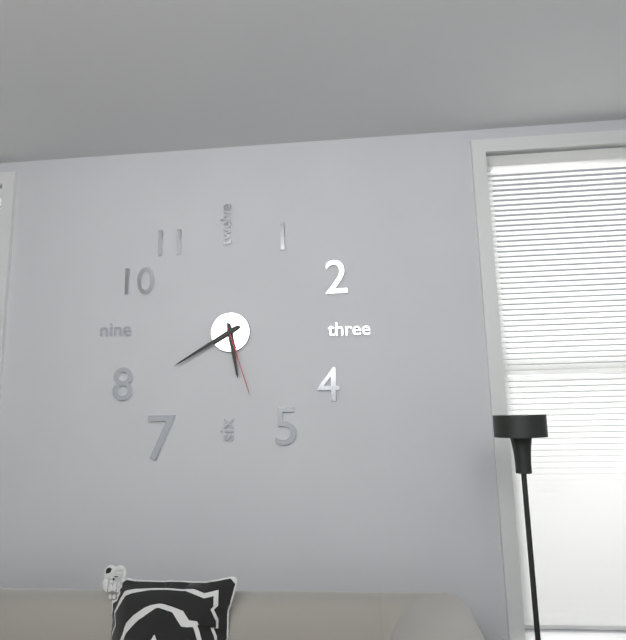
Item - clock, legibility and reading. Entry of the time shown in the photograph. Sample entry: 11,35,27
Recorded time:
5,40,27
